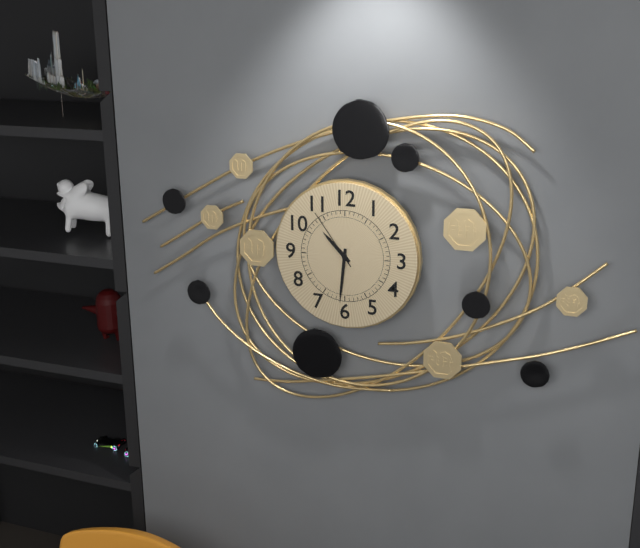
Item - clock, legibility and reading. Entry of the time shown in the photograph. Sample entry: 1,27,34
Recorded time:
10,31,54
